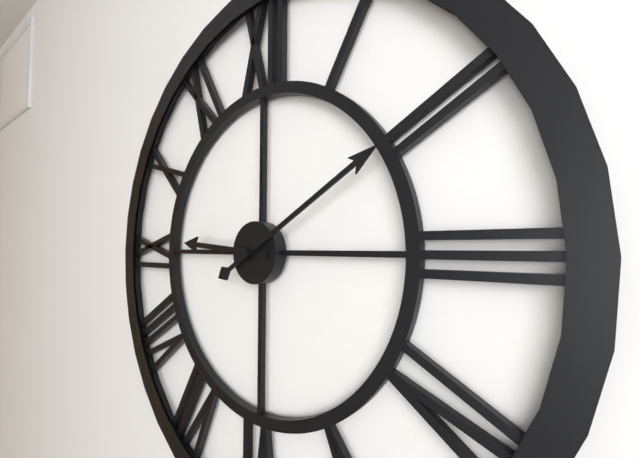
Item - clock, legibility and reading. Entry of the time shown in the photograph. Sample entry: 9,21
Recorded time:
9,10
